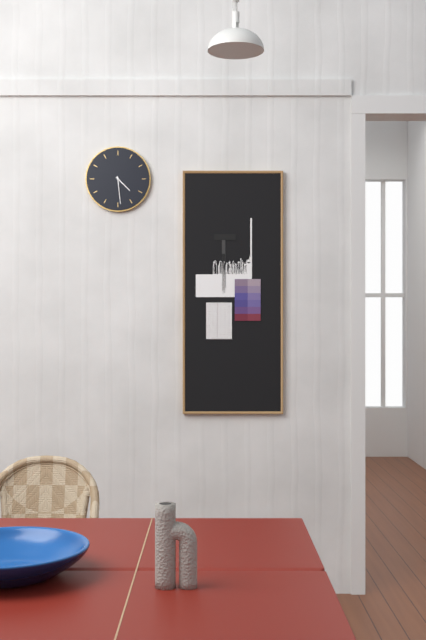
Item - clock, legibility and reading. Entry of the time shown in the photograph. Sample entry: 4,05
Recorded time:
4,29
